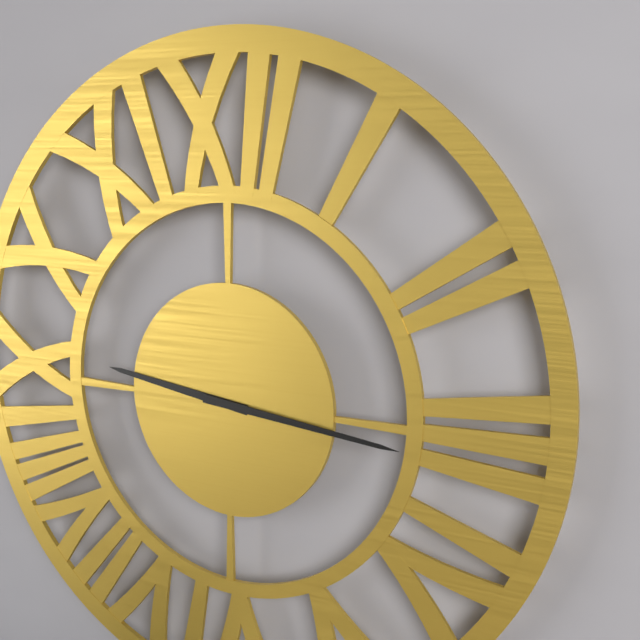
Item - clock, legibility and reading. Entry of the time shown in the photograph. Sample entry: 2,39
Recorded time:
9,16
